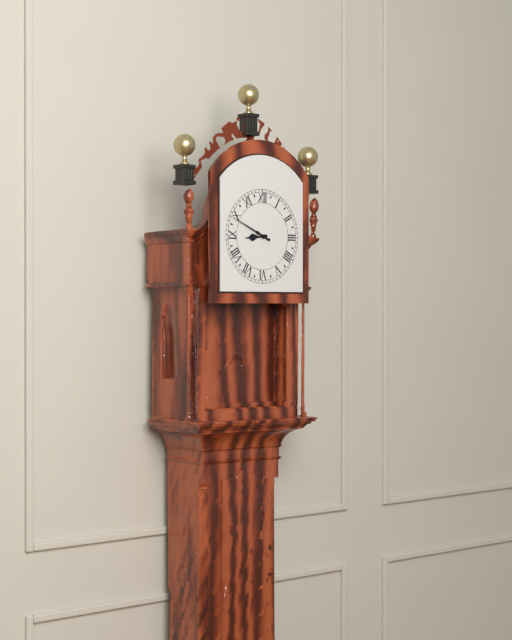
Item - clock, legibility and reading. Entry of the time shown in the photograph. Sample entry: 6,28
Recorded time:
8,49
